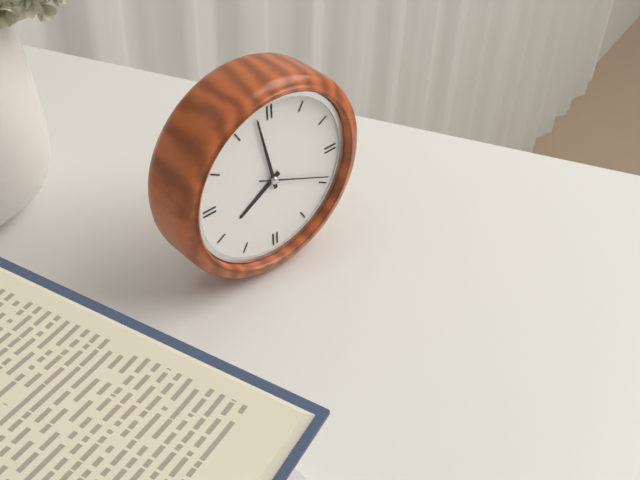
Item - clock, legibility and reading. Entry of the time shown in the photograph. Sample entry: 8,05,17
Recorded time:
7,58,19
